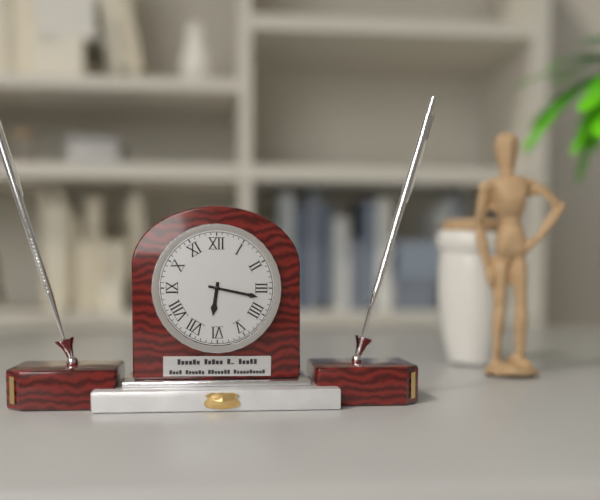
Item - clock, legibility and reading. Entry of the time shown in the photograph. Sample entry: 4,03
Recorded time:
6,17
